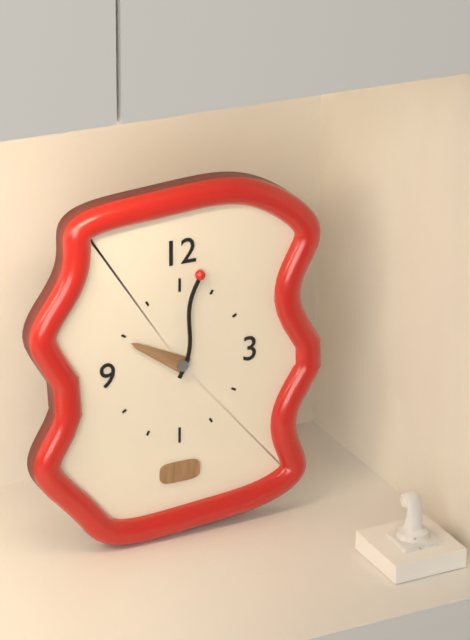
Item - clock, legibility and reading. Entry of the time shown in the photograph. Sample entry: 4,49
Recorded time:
10,02
